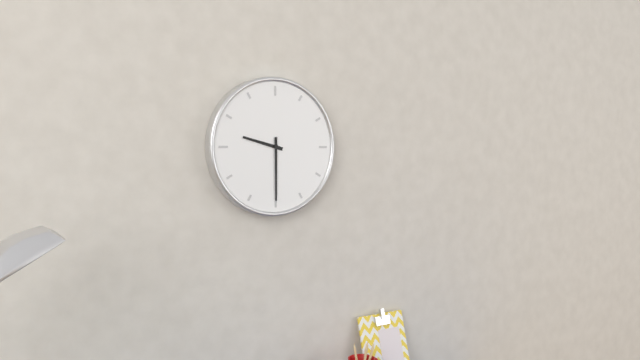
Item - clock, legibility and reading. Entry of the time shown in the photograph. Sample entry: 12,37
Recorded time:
9,30
